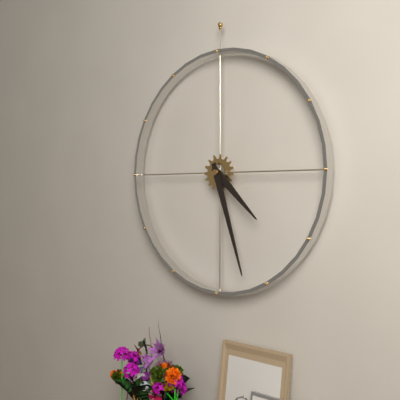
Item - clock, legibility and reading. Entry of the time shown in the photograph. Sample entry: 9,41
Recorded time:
4,27
